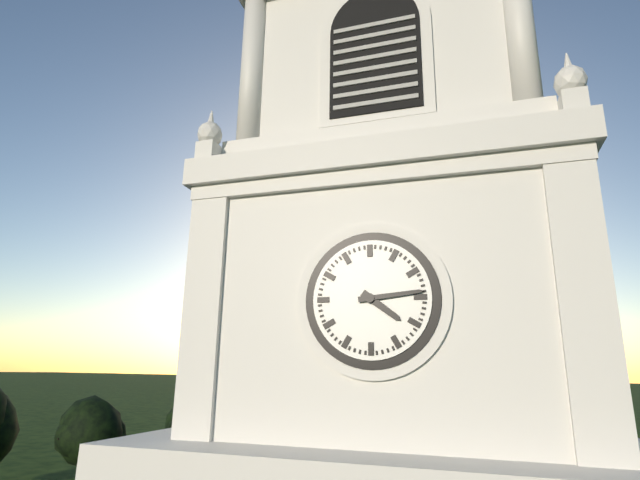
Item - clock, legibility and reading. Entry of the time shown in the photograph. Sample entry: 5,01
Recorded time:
4,14
